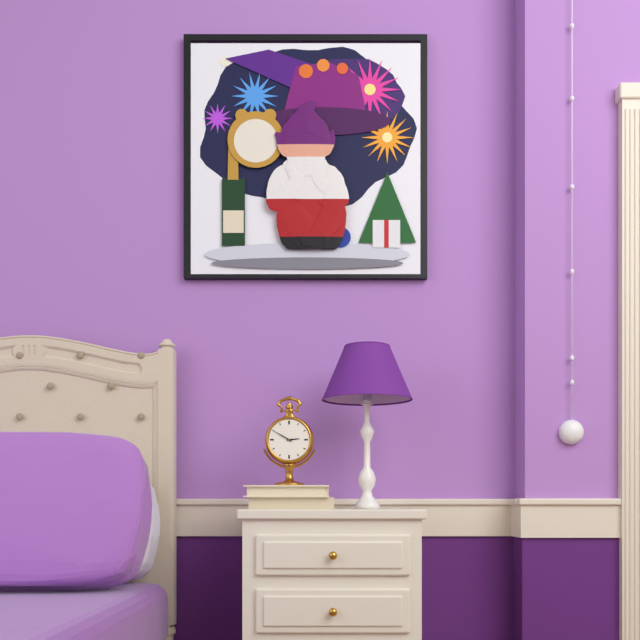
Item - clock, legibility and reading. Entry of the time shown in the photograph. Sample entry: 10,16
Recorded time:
2,50
